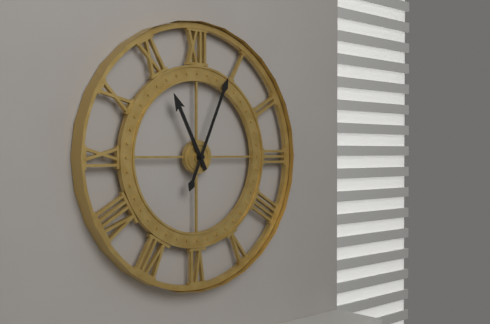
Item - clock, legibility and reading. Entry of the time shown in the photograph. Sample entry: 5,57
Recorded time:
11,04
